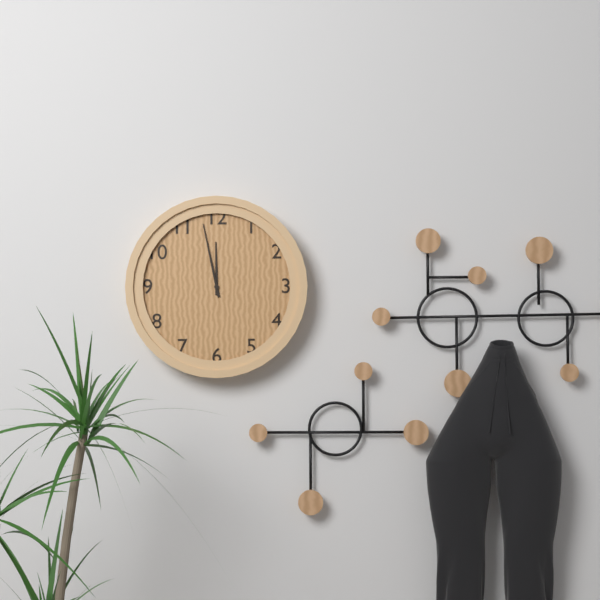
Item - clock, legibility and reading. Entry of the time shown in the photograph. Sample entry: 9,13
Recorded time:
11,58
